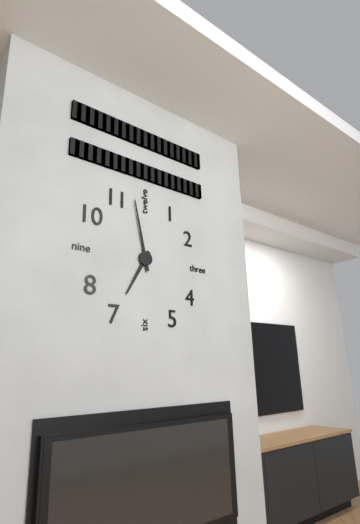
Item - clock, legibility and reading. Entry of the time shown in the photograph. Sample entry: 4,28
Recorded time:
6,58
